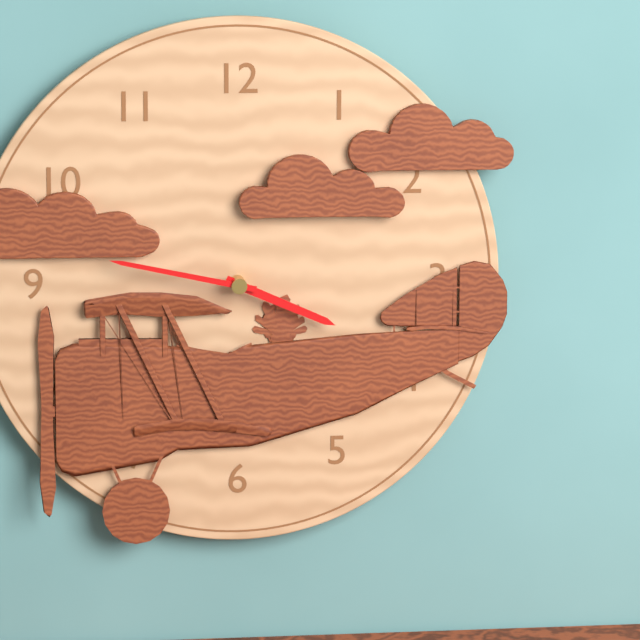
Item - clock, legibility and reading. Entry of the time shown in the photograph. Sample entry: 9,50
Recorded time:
3,47
